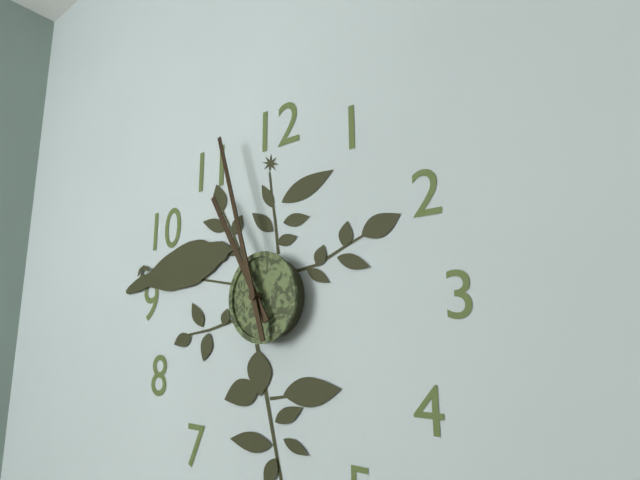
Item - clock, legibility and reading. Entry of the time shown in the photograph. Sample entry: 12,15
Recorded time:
10,57
